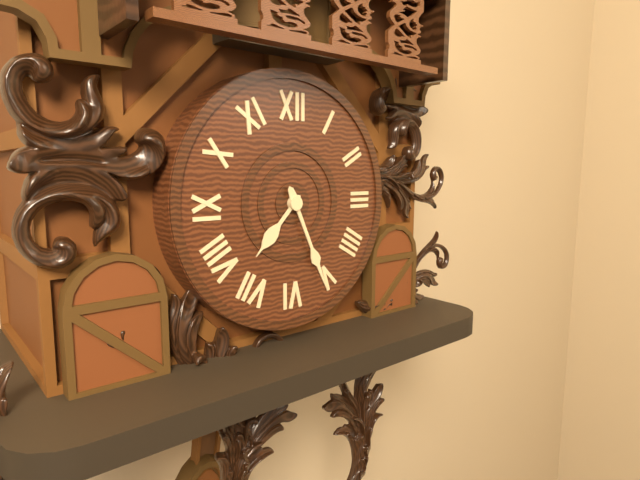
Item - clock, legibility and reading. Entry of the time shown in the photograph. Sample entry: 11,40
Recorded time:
7,26
